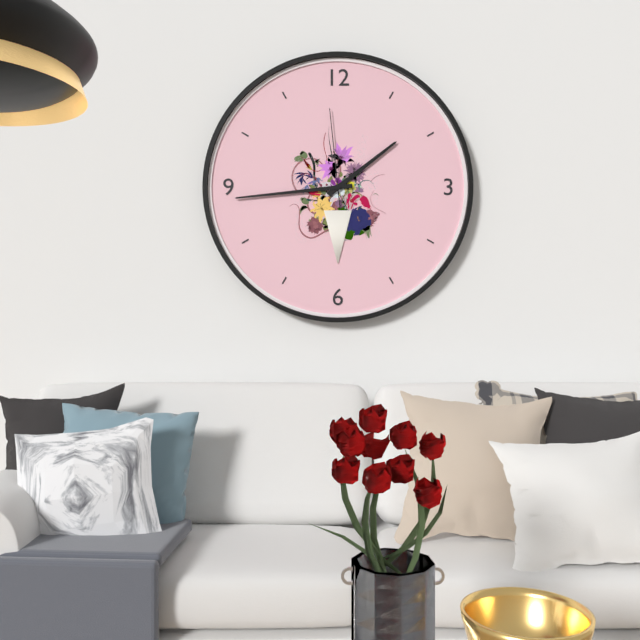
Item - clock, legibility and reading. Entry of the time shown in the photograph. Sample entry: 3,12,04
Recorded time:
1,44,59
